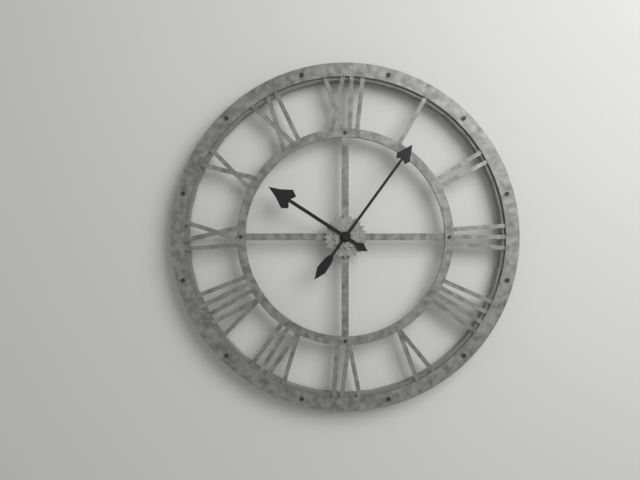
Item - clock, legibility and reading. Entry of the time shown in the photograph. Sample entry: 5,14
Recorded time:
10,06
